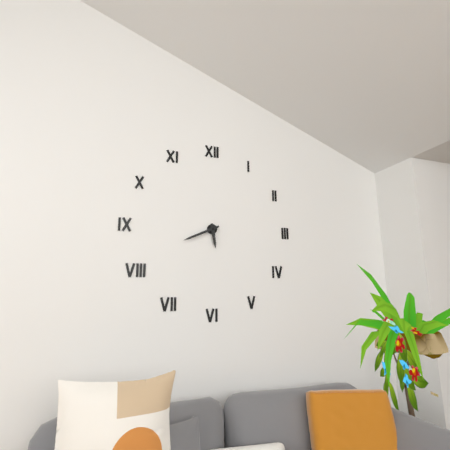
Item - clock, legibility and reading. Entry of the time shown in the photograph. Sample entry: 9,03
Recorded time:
5,41
